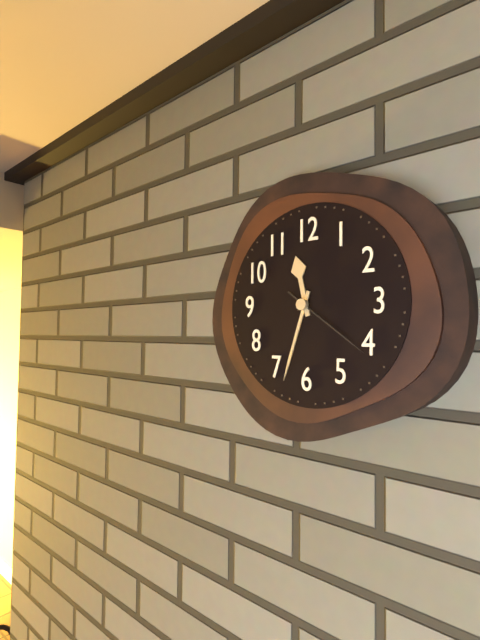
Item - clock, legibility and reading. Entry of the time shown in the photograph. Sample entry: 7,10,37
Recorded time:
11,33,21
